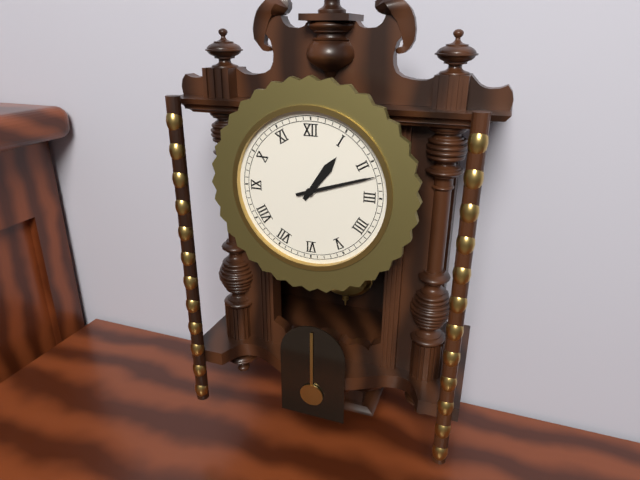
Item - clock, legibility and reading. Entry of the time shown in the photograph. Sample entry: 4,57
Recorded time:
1,12
